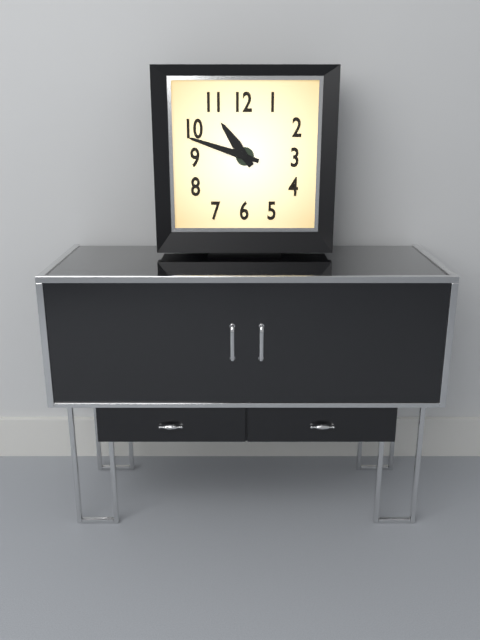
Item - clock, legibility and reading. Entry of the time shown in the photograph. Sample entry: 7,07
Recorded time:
10,48
